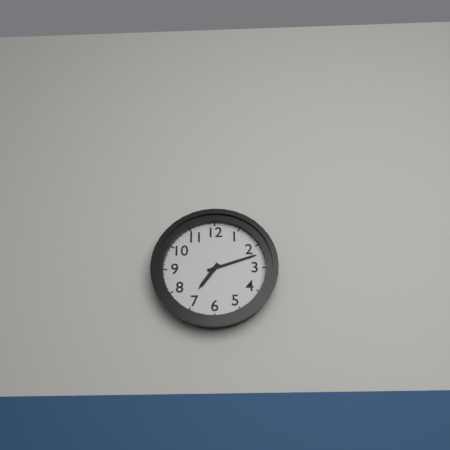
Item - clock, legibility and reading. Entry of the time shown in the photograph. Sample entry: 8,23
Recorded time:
7,12
